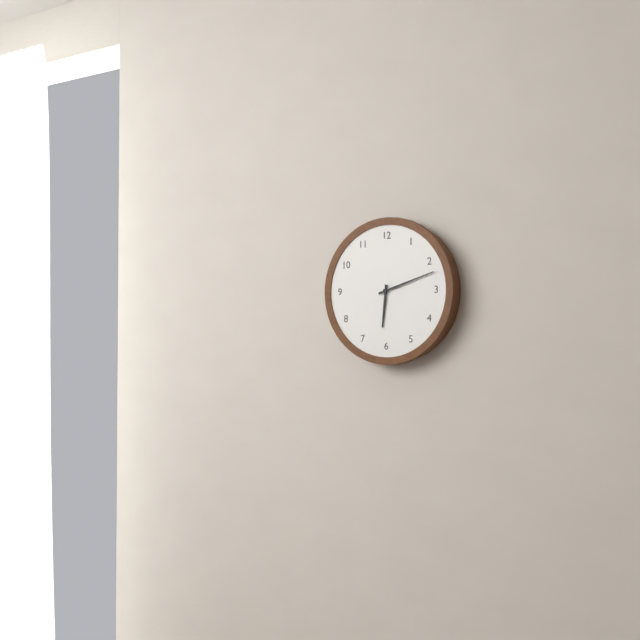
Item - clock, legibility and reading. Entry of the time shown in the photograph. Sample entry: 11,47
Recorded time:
6,12
